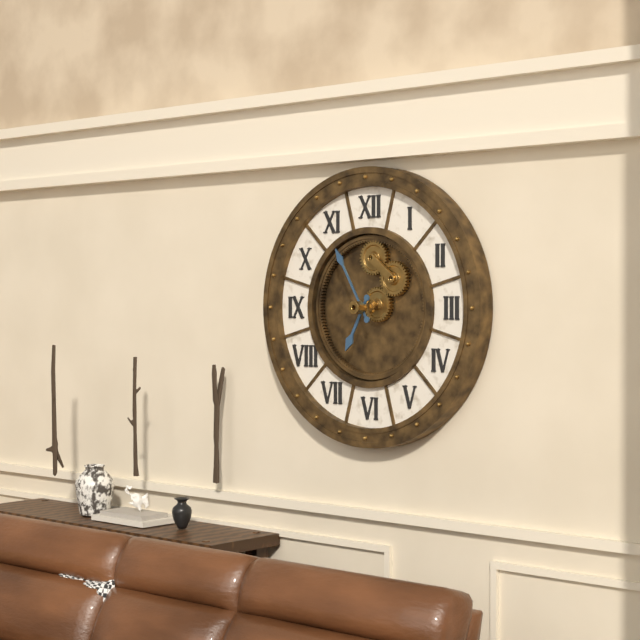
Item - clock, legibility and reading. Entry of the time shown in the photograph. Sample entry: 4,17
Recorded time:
6,55
